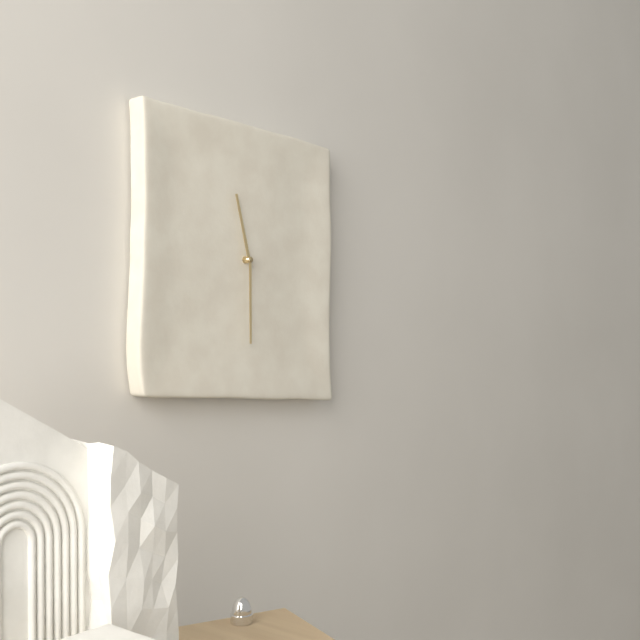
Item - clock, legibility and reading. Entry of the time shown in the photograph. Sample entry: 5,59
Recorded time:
11,30
